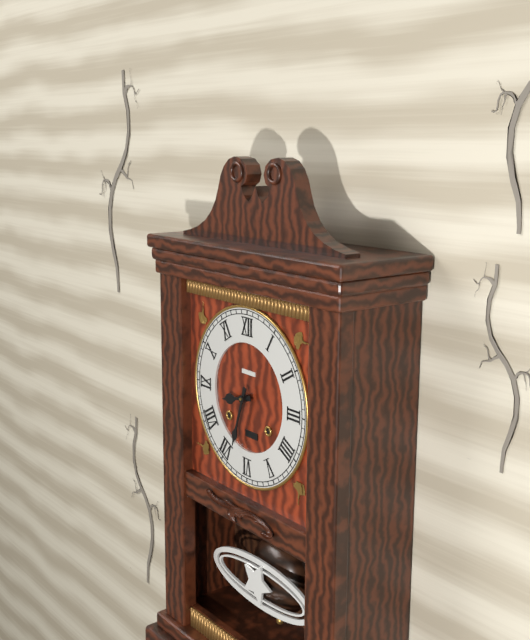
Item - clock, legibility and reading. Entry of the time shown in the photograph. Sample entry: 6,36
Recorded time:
8,33
